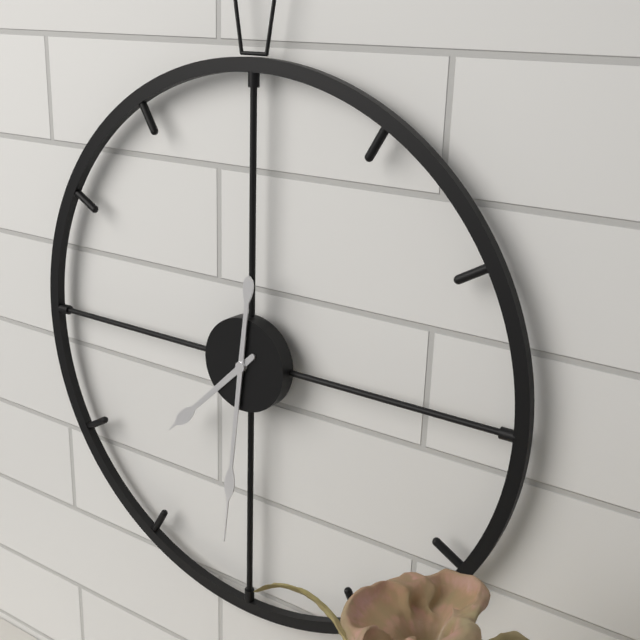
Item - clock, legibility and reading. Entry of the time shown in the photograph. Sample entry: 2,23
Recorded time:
7,31
